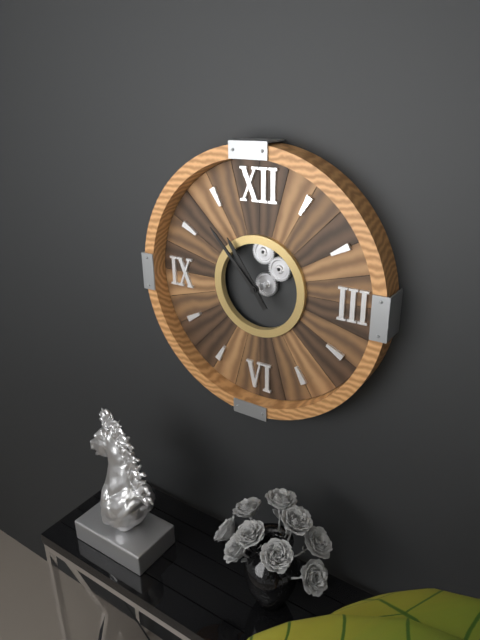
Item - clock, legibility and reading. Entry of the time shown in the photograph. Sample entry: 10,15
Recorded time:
10,53
